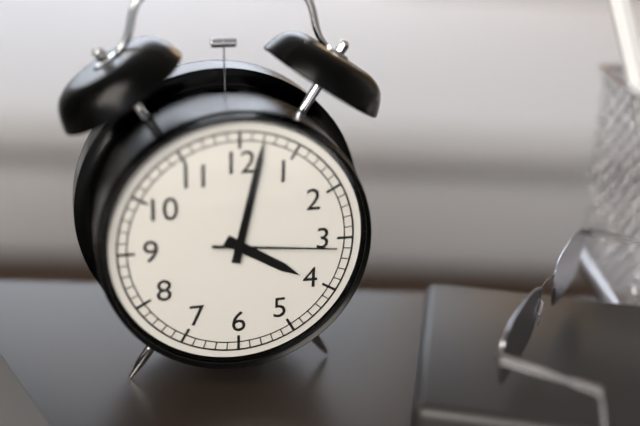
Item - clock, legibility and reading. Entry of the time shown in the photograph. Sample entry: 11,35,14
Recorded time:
4,02,16
